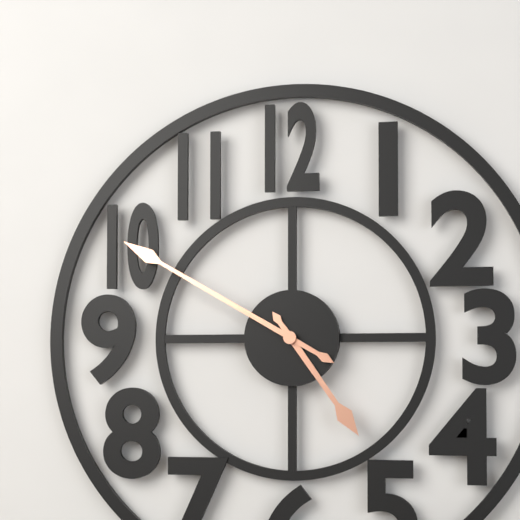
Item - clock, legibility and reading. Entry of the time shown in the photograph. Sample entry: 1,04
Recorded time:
4,50
